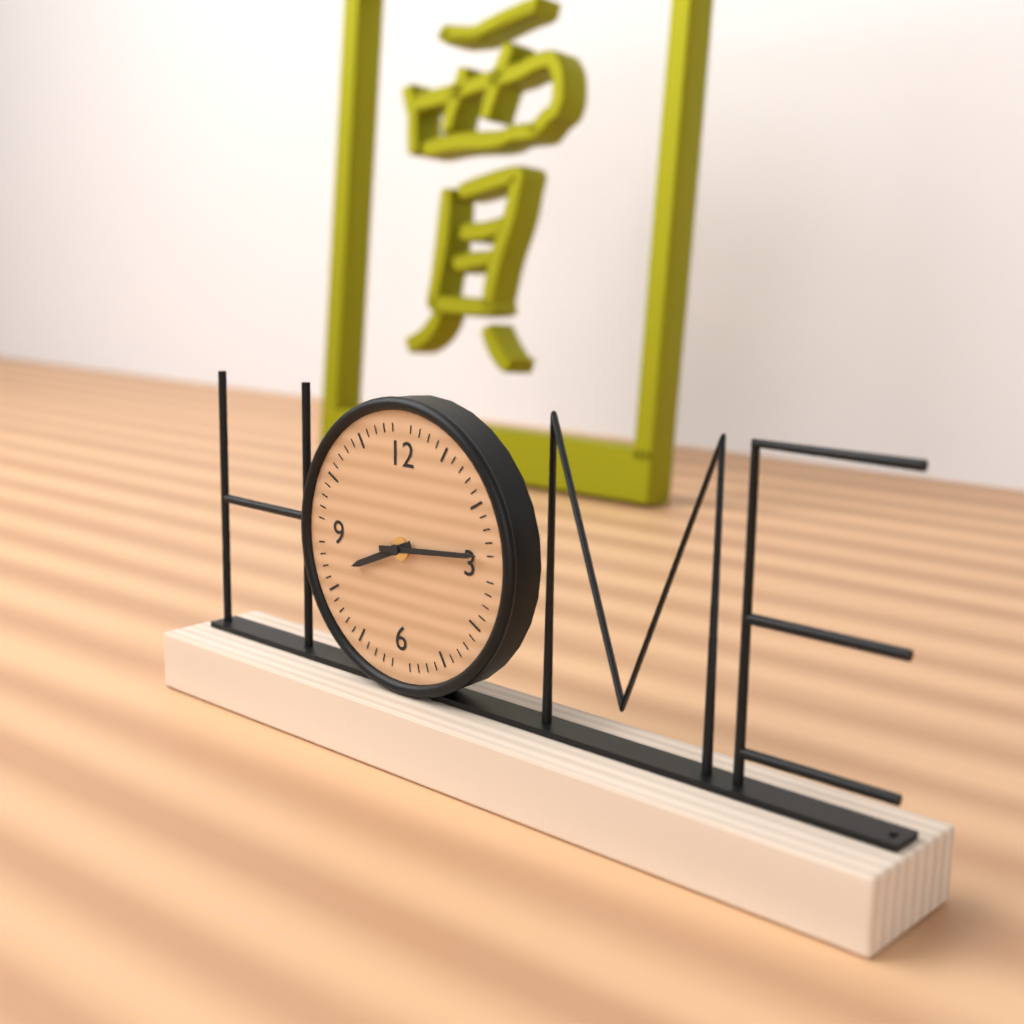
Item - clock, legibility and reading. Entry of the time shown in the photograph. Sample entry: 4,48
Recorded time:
8,14
